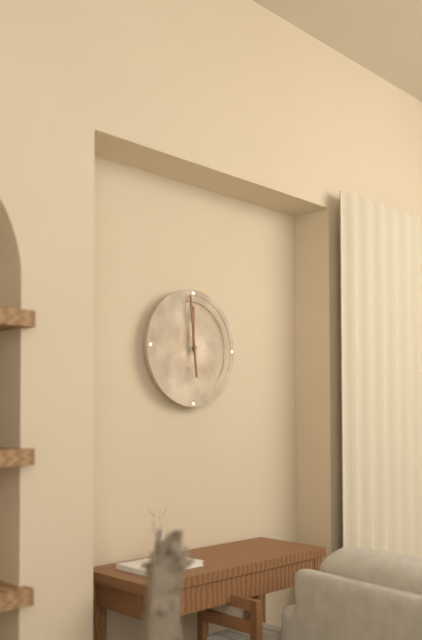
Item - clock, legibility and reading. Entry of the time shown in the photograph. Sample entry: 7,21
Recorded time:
11,59
